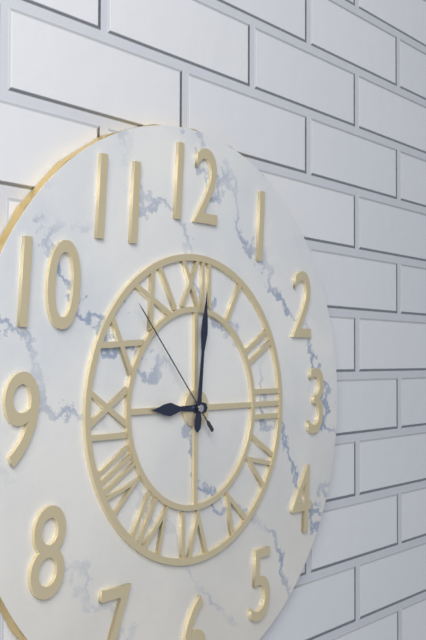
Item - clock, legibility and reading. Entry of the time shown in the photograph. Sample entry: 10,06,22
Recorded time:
9,01,53
